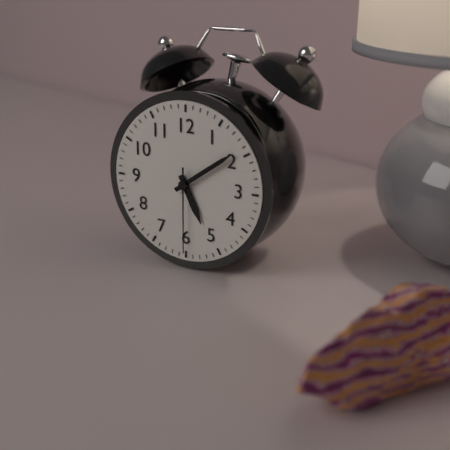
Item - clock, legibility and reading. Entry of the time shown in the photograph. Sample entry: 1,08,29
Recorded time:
5,09,30
